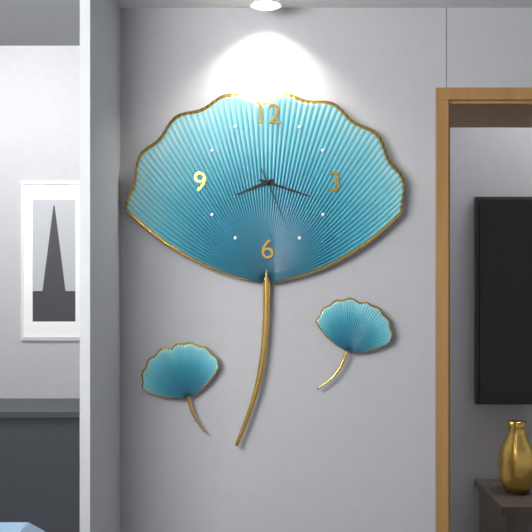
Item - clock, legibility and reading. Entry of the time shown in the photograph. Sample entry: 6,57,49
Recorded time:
8,18,26
